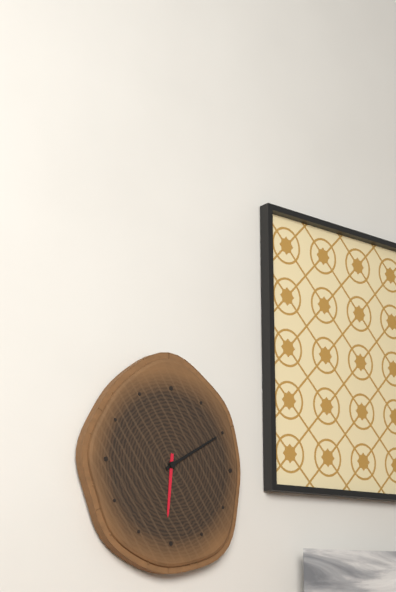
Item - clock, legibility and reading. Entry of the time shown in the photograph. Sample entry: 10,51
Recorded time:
6,10
